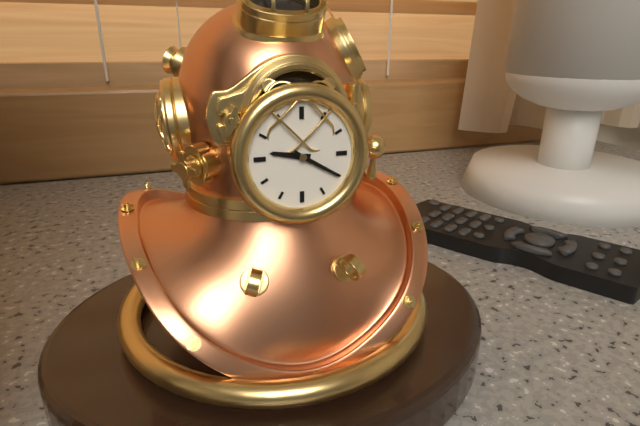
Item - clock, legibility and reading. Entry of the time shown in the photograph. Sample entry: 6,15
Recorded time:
9,20
